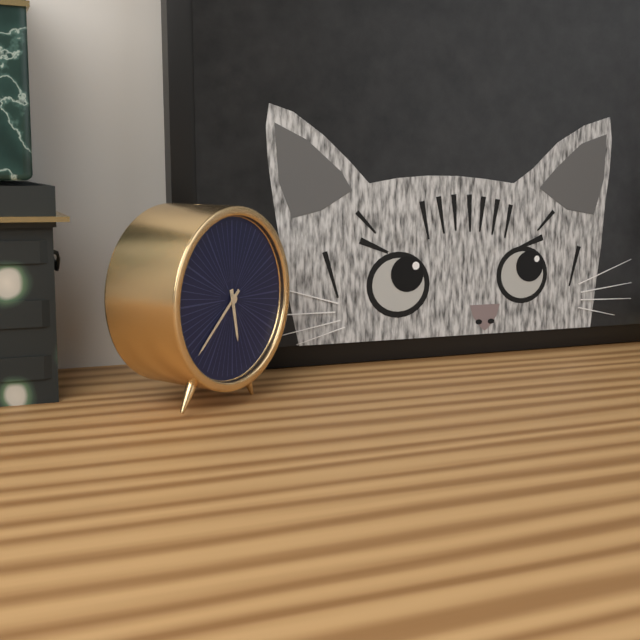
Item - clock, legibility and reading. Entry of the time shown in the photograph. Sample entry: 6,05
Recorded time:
5,38
